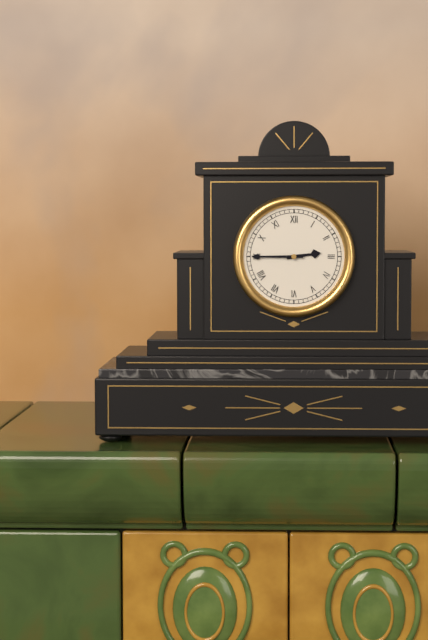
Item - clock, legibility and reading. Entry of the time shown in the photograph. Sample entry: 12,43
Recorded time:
2,45
